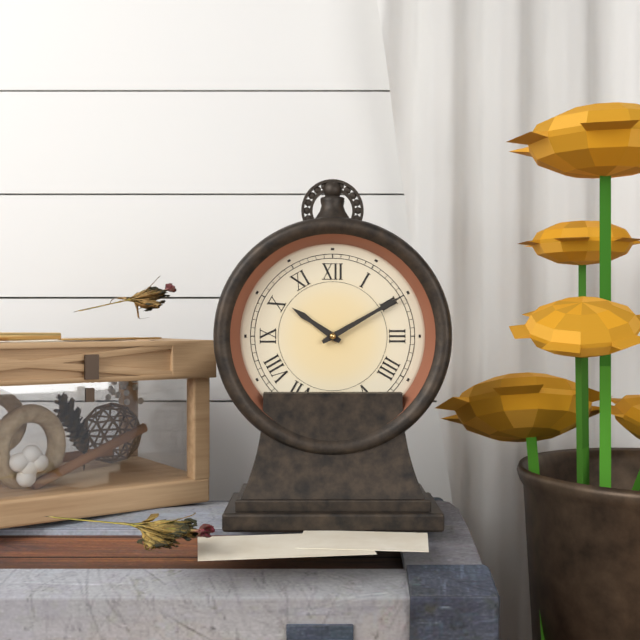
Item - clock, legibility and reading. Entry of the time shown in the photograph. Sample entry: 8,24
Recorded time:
10,10
